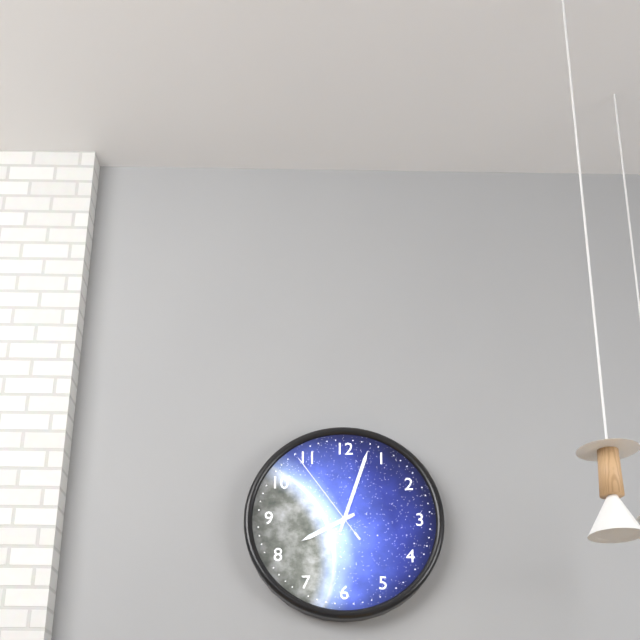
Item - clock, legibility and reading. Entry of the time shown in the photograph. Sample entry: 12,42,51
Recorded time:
8,03,54
